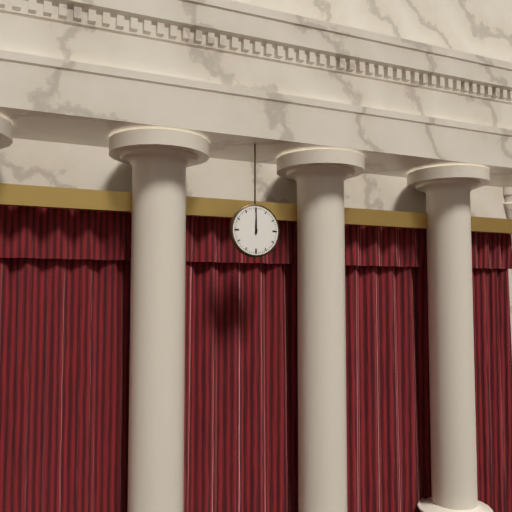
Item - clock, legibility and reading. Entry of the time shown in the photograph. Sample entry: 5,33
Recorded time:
12,00
